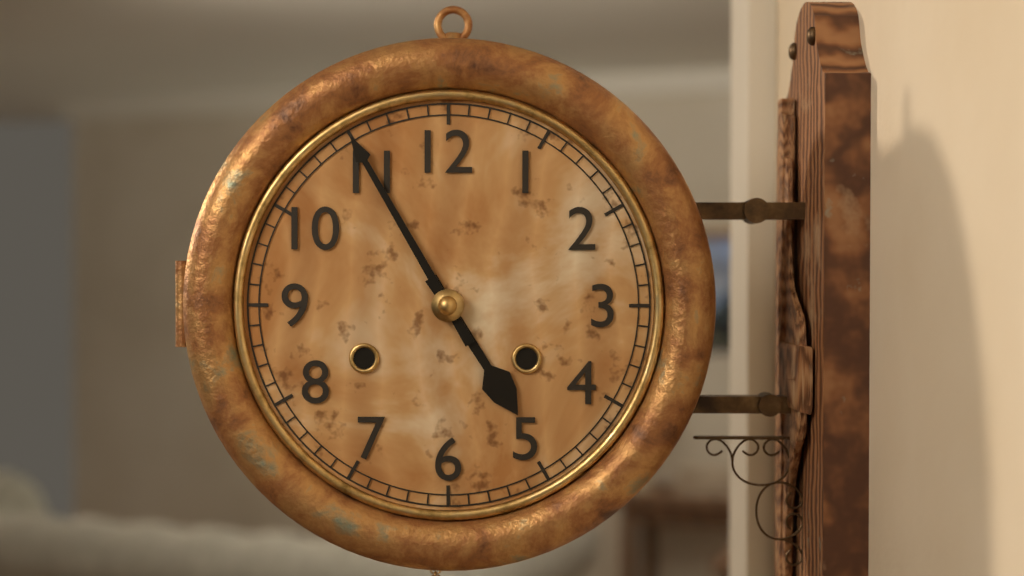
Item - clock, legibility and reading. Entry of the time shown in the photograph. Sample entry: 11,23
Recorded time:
4,55
